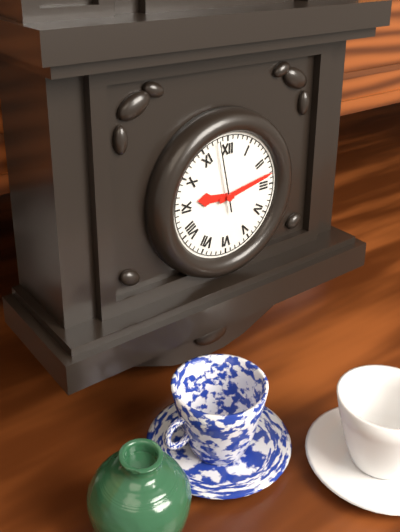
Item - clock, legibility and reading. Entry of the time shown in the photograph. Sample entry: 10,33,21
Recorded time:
9,13,58
